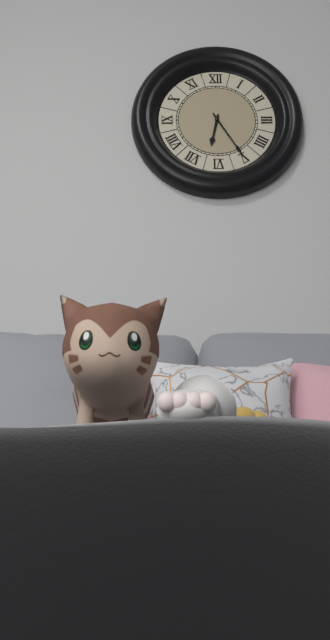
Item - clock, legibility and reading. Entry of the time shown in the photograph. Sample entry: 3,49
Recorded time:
6,25
